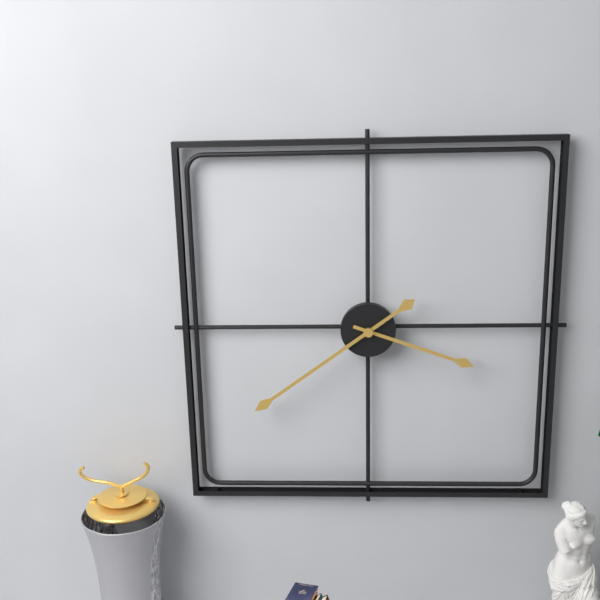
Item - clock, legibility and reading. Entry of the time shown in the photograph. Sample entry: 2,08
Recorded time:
3,39
